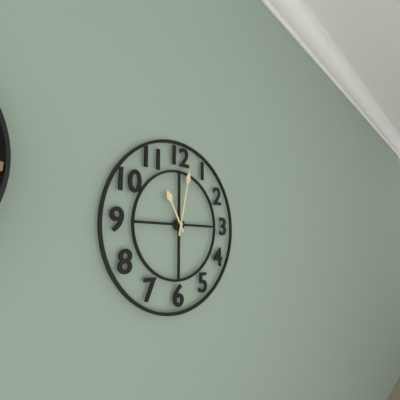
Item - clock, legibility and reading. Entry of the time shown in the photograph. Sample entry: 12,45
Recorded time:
11,02
